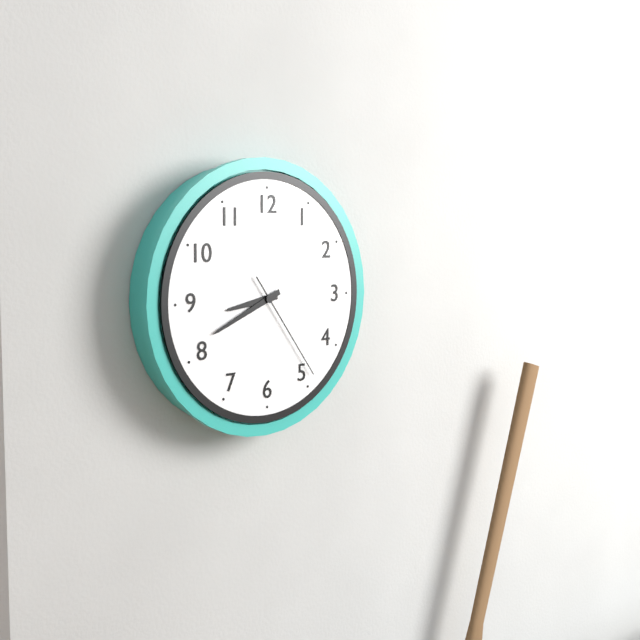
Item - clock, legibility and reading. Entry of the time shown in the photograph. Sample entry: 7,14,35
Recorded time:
8,41,24
